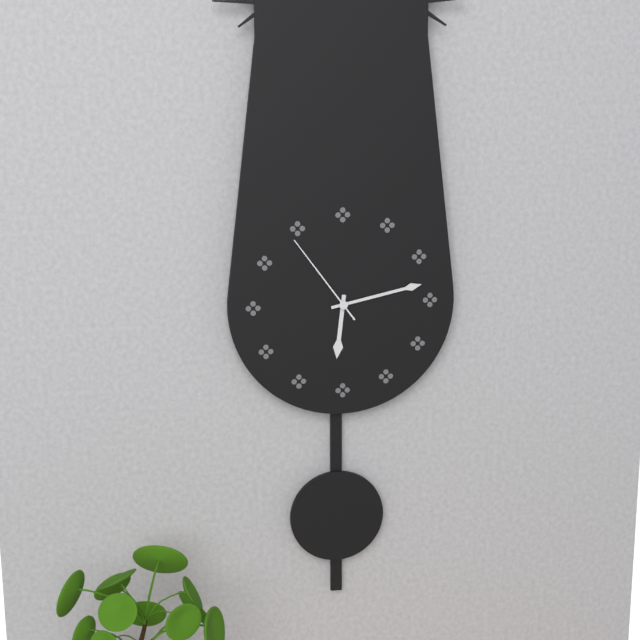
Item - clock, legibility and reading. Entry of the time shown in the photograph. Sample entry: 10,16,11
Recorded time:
6,13,54
